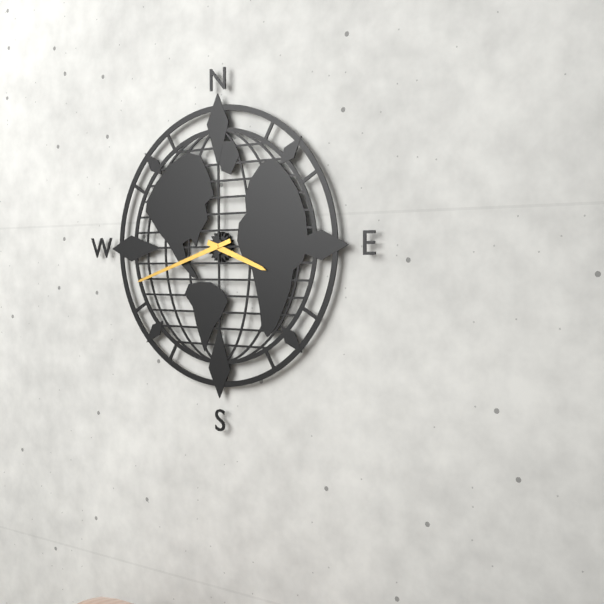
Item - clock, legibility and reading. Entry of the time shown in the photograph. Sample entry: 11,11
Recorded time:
3,42
